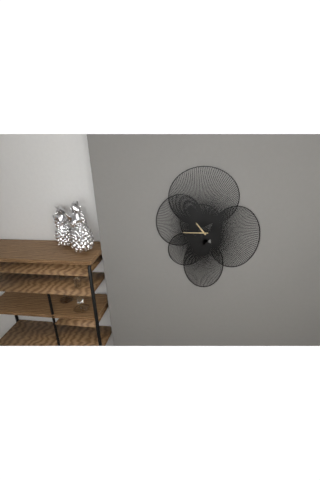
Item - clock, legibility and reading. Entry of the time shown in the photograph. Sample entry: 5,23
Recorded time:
10,45
